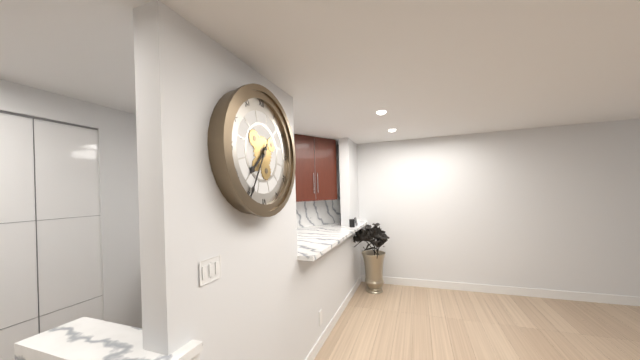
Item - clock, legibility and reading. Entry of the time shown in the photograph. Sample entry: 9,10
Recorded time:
7,35
